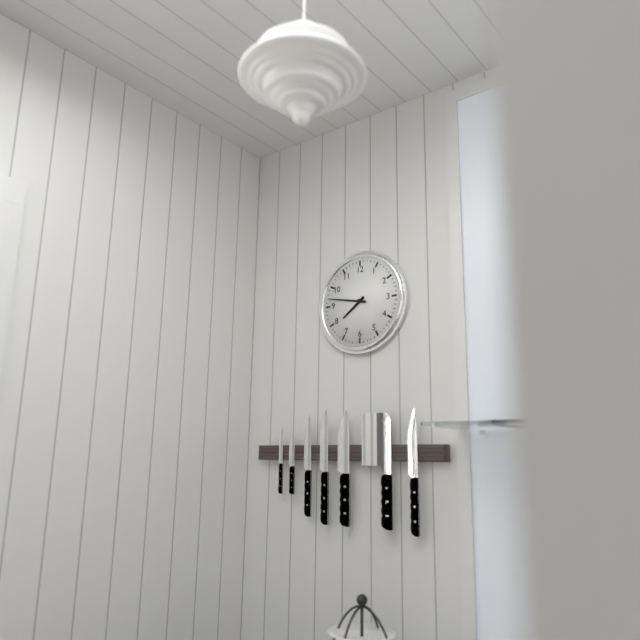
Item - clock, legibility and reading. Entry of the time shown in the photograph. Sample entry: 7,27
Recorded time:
7,47
